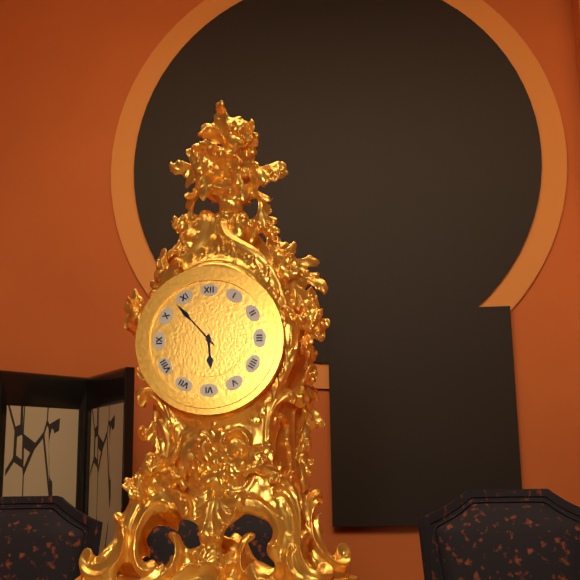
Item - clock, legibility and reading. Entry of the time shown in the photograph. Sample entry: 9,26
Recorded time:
5,53
